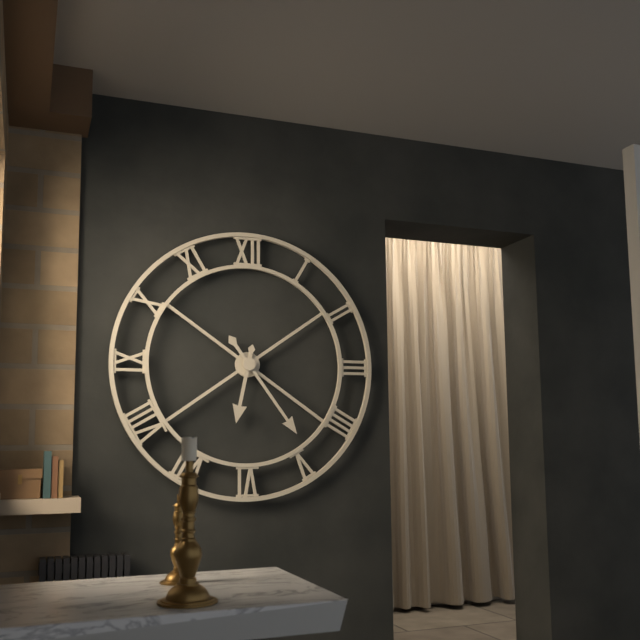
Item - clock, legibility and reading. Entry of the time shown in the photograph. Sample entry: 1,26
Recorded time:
6,24
